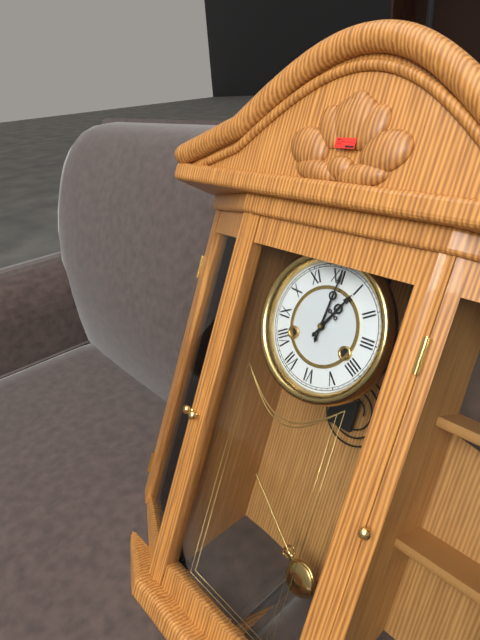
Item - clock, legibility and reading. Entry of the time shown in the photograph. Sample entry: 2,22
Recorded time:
1,01
